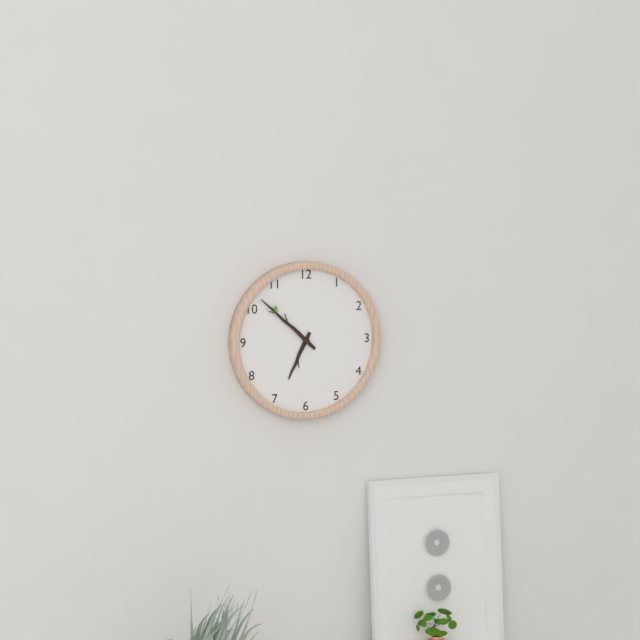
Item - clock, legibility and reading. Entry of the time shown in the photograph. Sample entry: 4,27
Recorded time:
6,52
